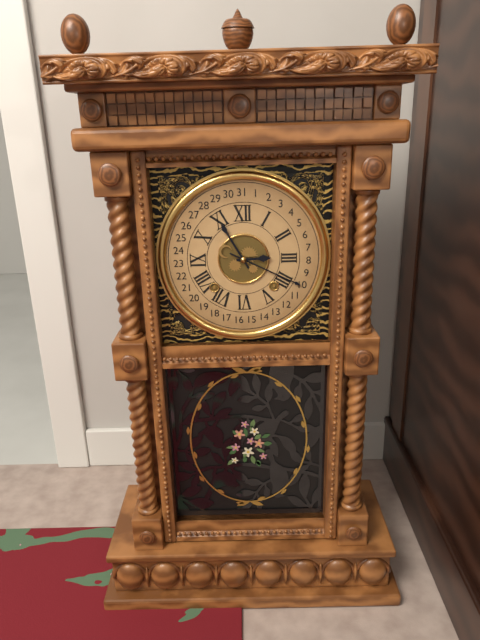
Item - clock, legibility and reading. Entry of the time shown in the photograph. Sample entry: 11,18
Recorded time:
2,55
